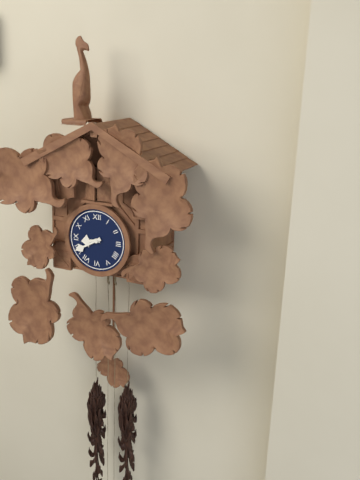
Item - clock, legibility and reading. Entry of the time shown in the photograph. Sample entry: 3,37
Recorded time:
8,40
